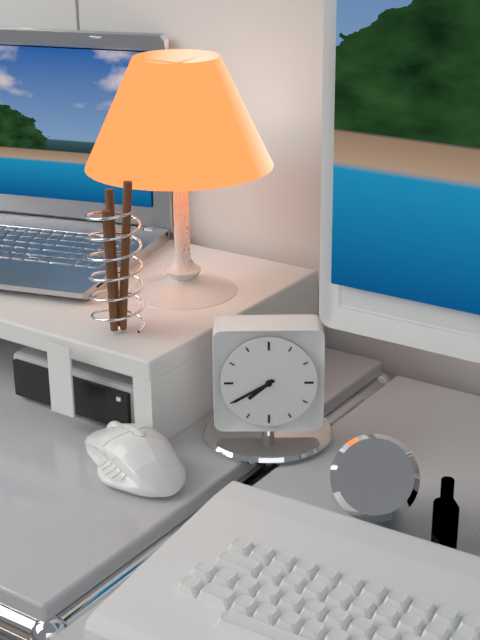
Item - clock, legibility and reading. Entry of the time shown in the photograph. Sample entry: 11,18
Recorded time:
7,40
